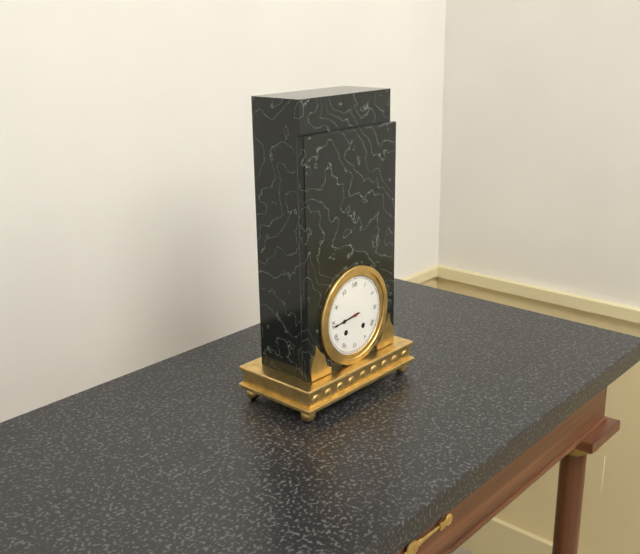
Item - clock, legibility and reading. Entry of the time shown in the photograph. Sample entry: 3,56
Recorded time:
8,44
